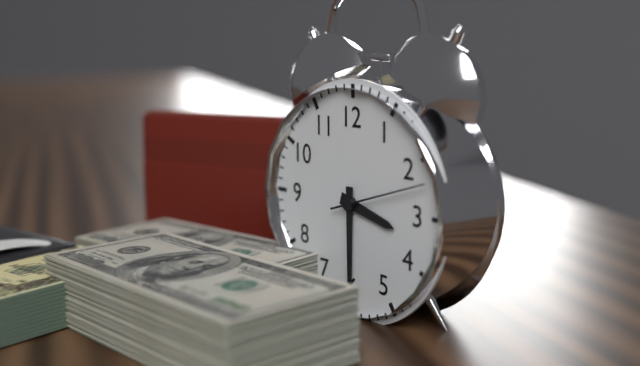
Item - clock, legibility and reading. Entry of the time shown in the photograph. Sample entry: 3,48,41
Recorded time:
3,30,12
